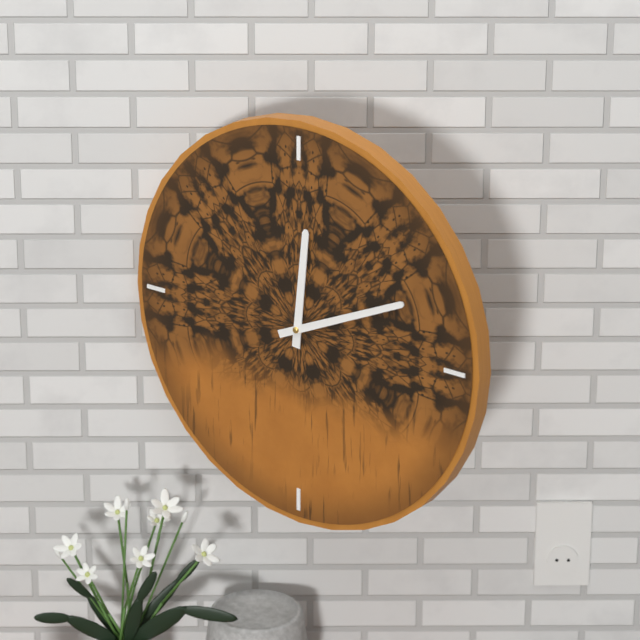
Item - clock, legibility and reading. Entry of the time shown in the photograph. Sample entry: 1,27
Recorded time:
12,11
